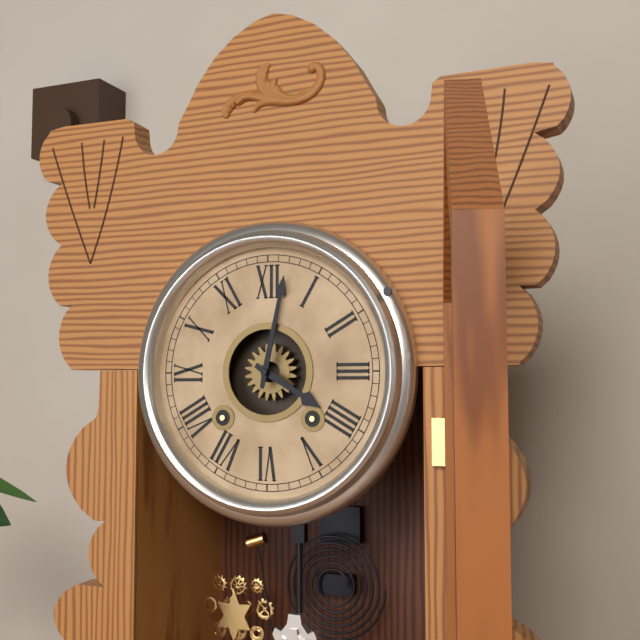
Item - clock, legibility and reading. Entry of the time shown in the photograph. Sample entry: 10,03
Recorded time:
4,02
